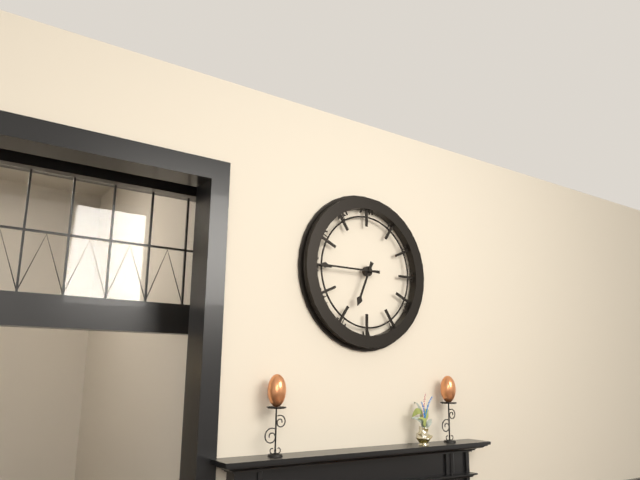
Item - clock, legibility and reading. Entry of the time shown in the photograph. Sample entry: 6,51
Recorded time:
6,45
